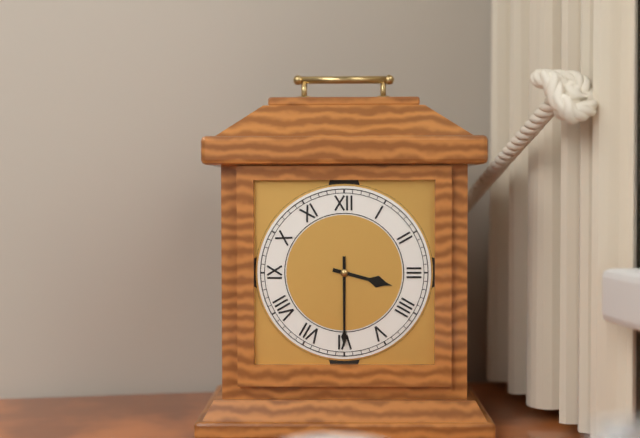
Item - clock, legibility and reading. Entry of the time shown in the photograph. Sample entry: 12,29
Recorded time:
3,30
